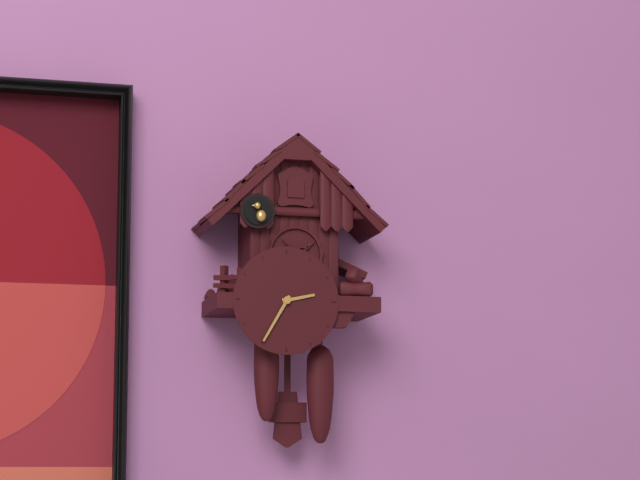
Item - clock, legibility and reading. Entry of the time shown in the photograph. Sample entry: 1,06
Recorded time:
2,35
